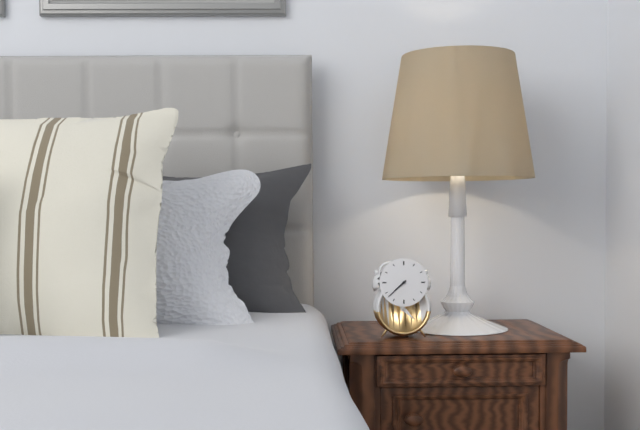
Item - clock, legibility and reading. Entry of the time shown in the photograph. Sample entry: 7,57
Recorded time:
7,38
